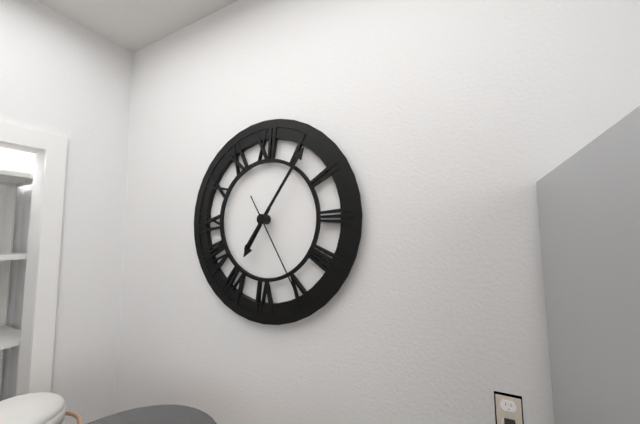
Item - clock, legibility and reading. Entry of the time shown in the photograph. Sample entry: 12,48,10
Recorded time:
7,06,25
